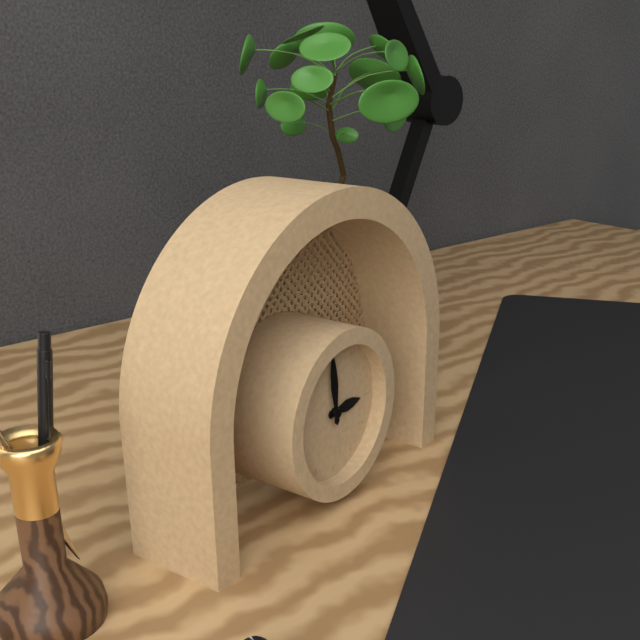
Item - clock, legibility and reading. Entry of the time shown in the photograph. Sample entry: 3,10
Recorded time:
2,59
